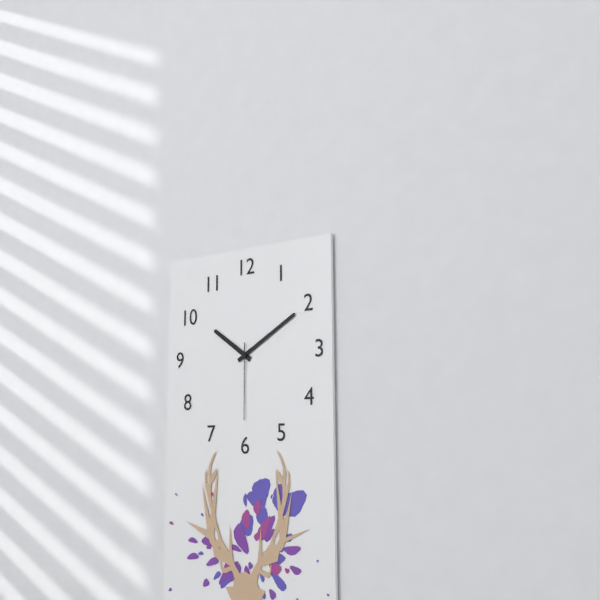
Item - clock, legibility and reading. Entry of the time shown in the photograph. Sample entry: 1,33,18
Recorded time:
10,10,30
